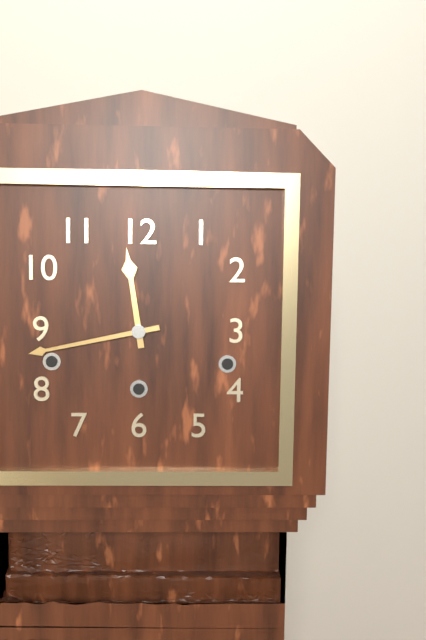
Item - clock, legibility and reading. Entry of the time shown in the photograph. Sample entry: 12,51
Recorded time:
11,43
